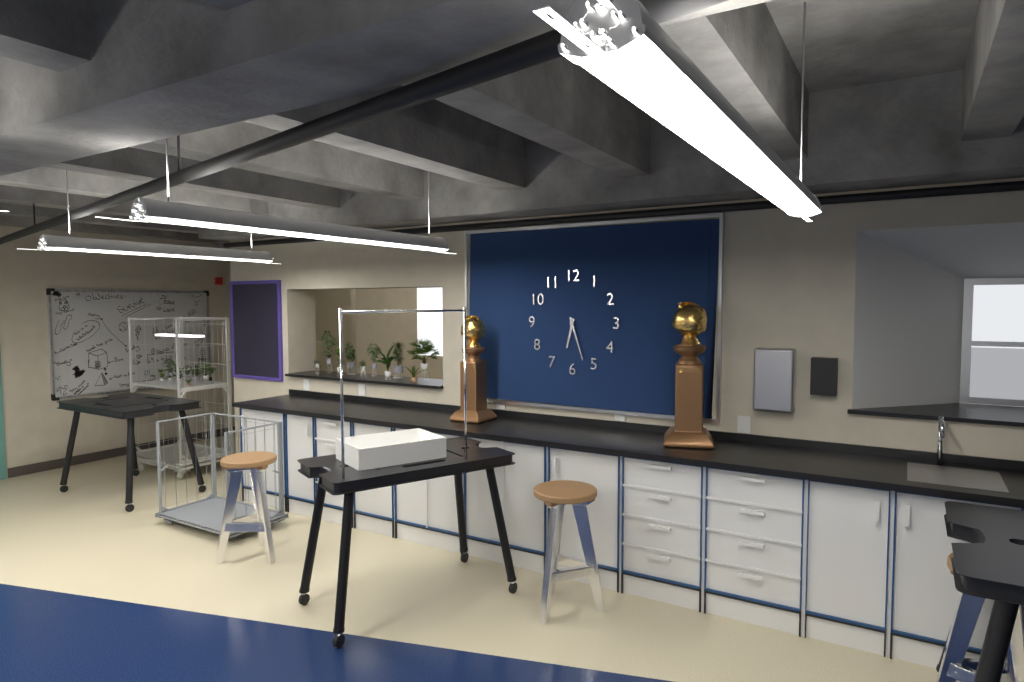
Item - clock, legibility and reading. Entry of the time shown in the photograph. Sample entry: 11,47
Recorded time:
6,27
